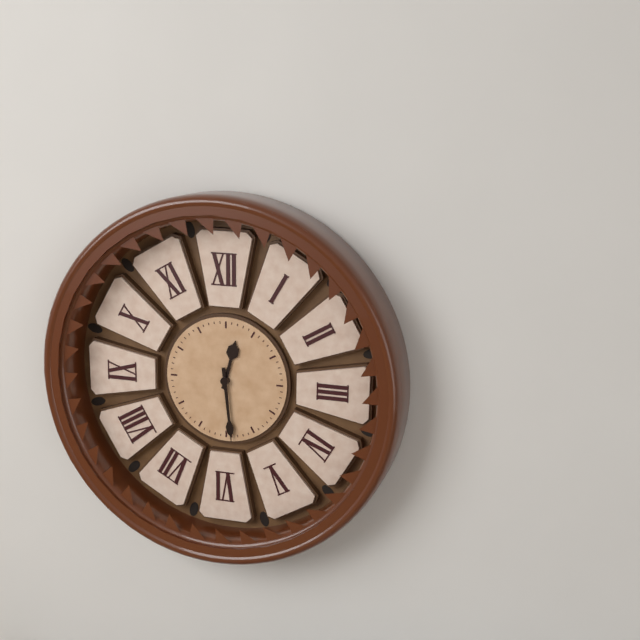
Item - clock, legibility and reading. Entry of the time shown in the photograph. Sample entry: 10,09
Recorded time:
12,29
